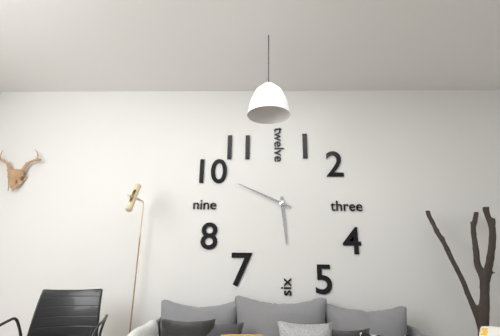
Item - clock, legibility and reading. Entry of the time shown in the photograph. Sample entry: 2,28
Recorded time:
5,49
